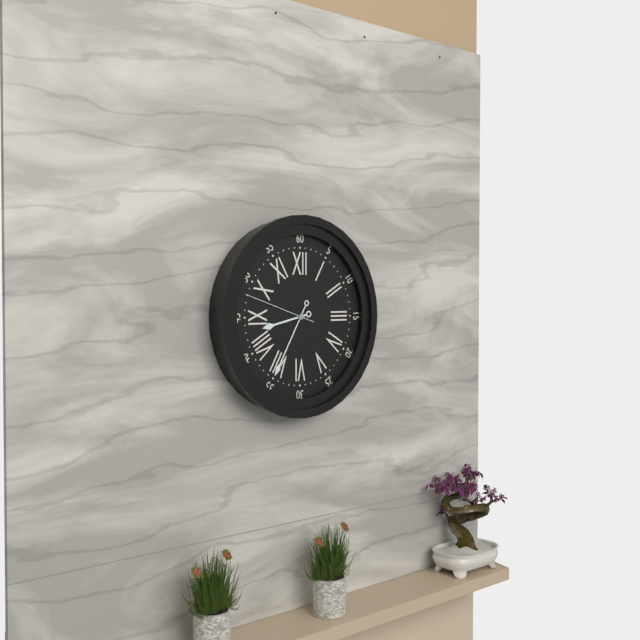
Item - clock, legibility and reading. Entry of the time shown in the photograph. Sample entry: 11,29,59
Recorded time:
8,35,48
